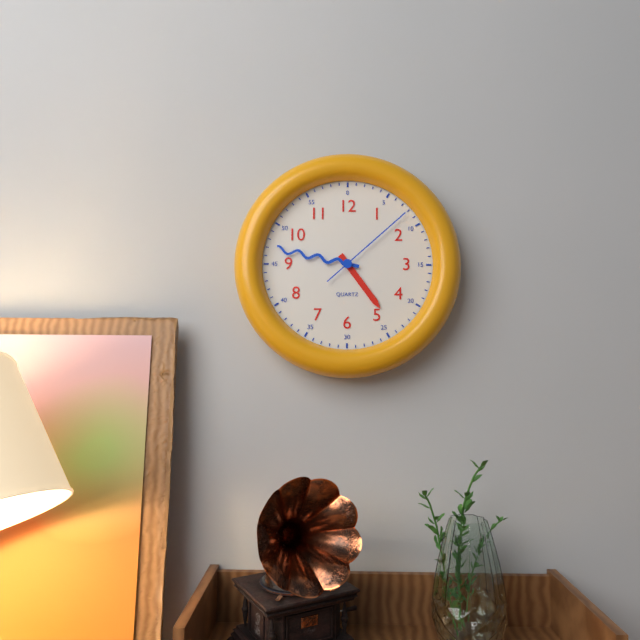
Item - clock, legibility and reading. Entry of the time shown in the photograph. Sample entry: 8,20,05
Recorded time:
4,47,08
